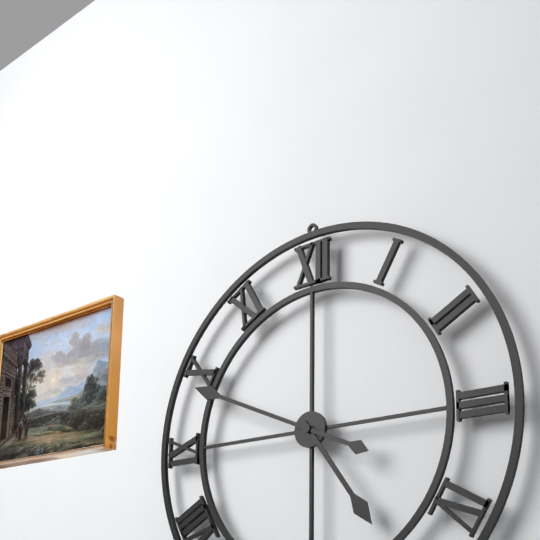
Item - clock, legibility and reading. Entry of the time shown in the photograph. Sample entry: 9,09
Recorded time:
4,49
